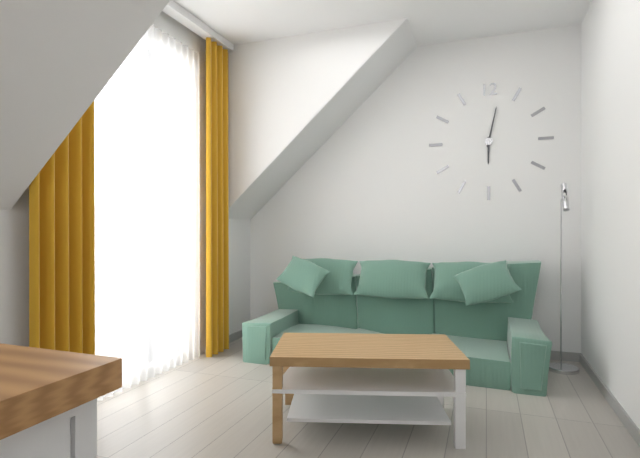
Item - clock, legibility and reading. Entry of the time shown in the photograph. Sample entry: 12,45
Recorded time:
6,02
